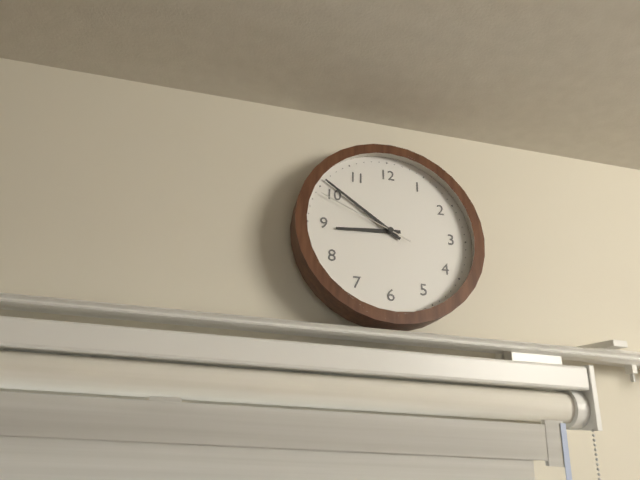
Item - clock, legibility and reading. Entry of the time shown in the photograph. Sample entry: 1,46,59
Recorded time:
8,51,49
